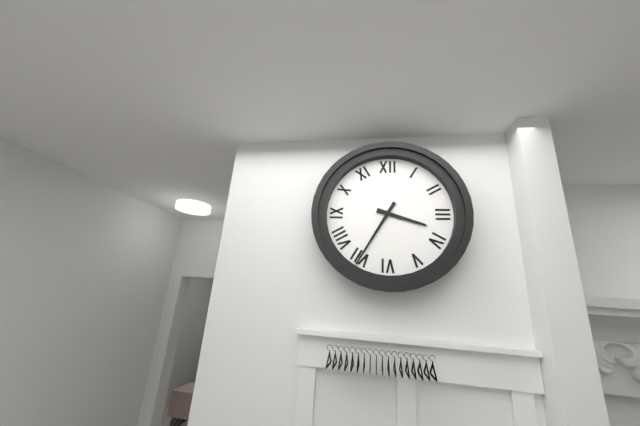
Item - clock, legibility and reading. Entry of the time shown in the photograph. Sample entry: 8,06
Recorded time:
3,35
